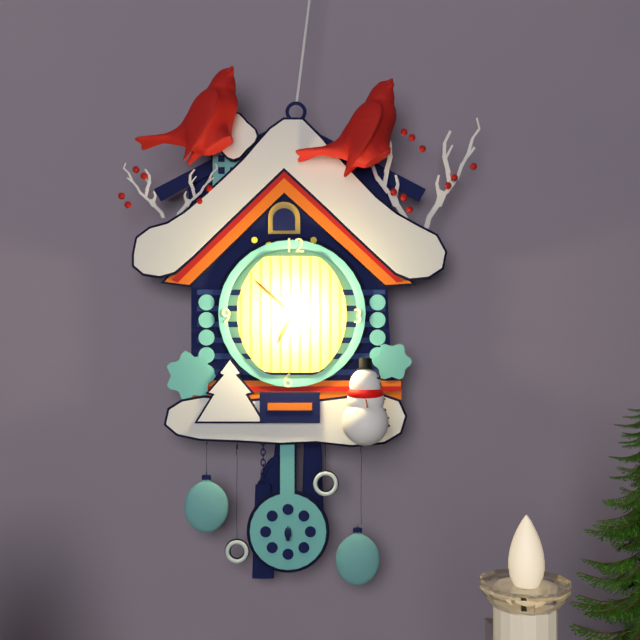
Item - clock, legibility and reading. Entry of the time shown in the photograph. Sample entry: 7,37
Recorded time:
6,52
